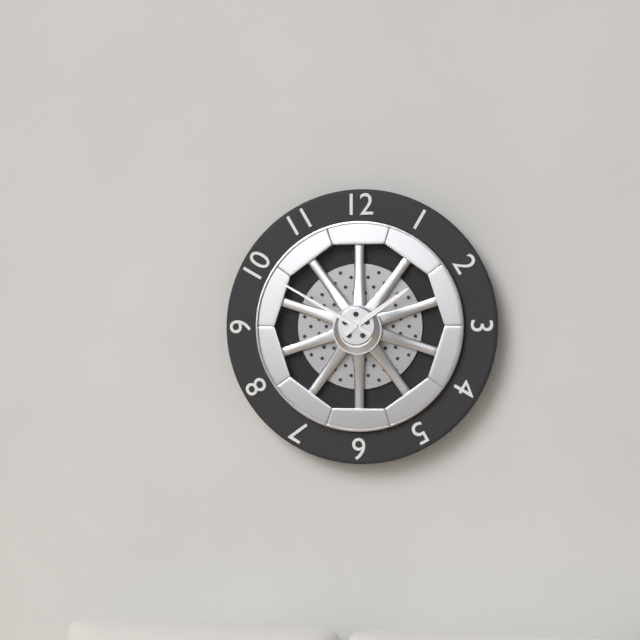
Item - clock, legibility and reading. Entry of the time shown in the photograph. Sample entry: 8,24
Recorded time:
1,50
